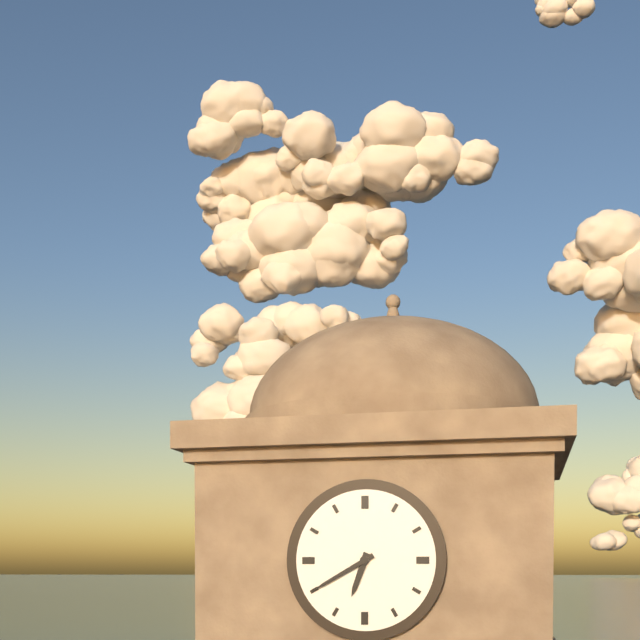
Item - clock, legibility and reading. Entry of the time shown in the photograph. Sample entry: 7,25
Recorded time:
6,40
